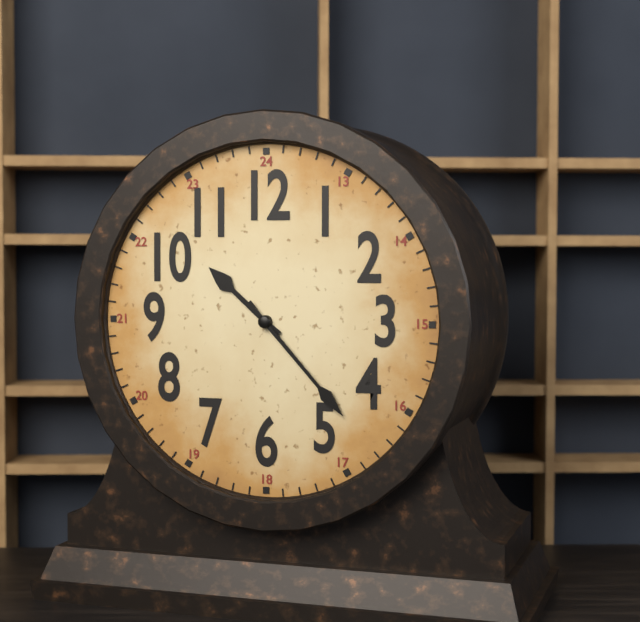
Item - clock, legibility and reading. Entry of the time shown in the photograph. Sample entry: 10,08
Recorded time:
10,23
